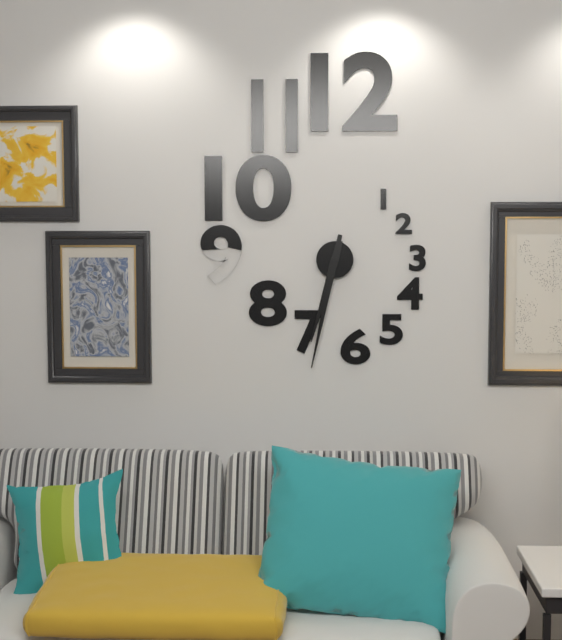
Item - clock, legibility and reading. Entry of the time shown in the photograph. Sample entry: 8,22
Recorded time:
6,32
